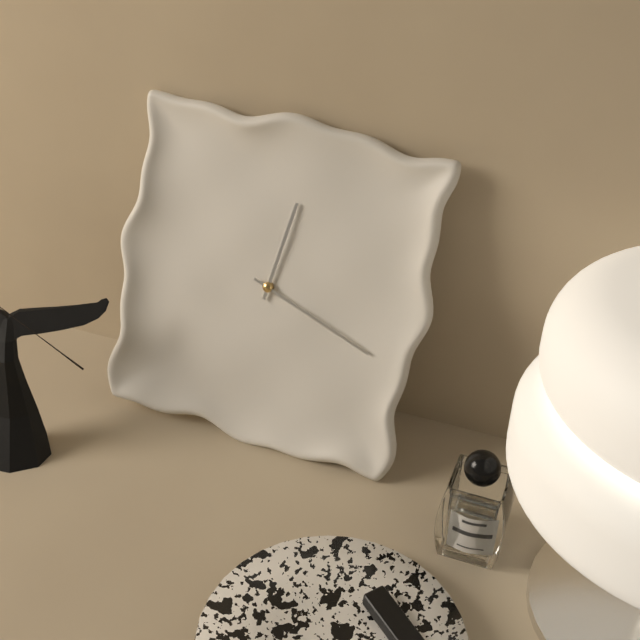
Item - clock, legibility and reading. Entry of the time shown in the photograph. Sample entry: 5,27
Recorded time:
12,18
